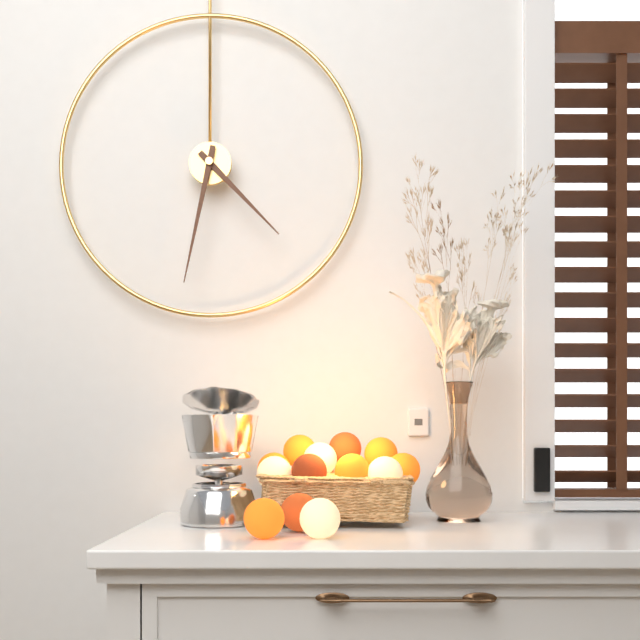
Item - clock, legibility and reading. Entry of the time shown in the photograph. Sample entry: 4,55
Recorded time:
4,32
